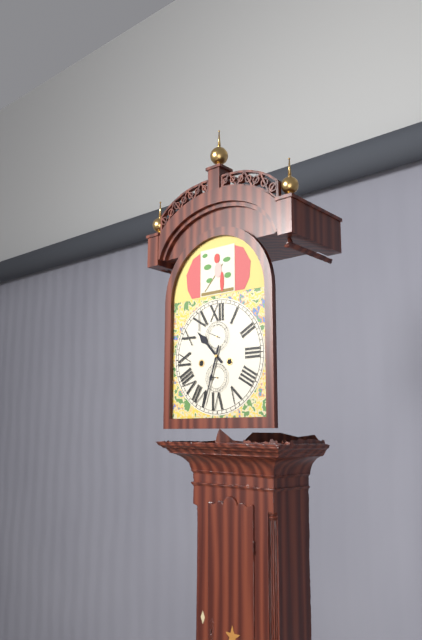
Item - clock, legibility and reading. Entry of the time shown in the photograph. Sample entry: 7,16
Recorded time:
10,33
